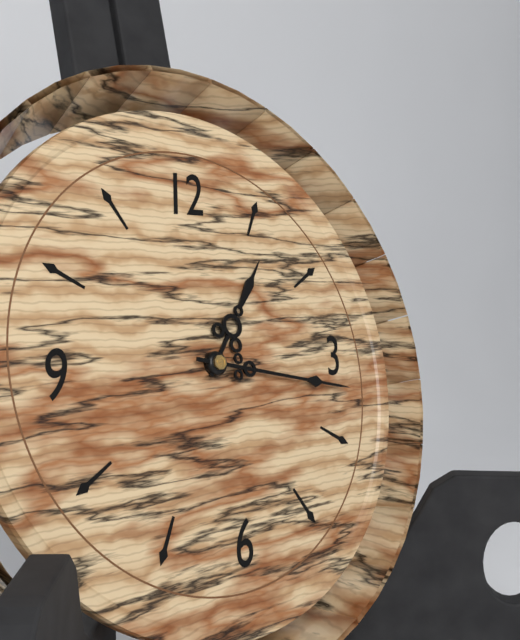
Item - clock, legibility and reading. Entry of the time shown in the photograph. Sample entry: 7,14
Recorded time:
1,17
